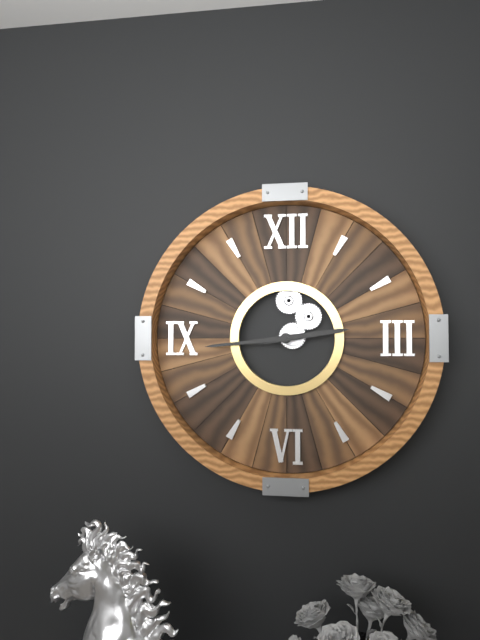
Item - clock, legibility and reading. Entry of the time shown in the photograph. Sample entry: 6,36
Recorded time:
2,44
